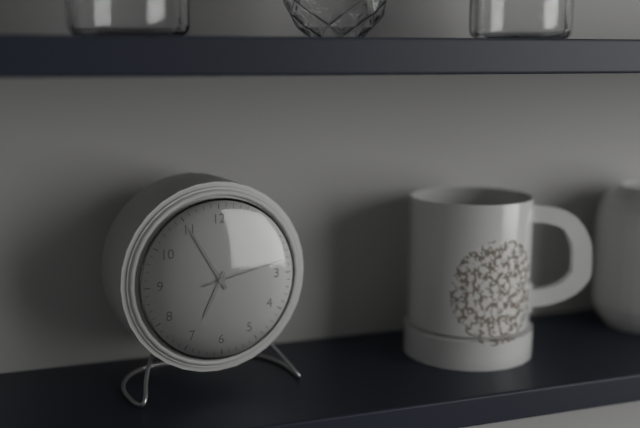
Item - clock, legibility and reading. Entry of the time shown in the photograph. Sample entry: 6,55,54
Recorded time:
6,55,13
